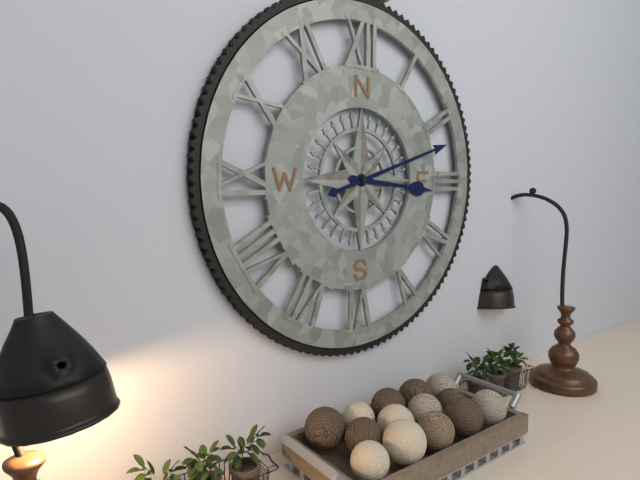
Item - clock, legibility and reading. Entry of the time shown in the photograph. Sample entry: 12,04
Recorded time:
3,12
